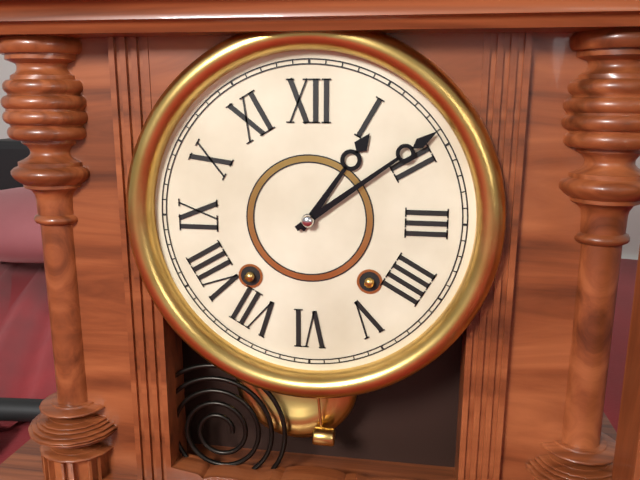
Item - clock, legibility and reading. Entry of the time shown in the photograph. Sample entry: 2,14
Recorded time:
1,09
